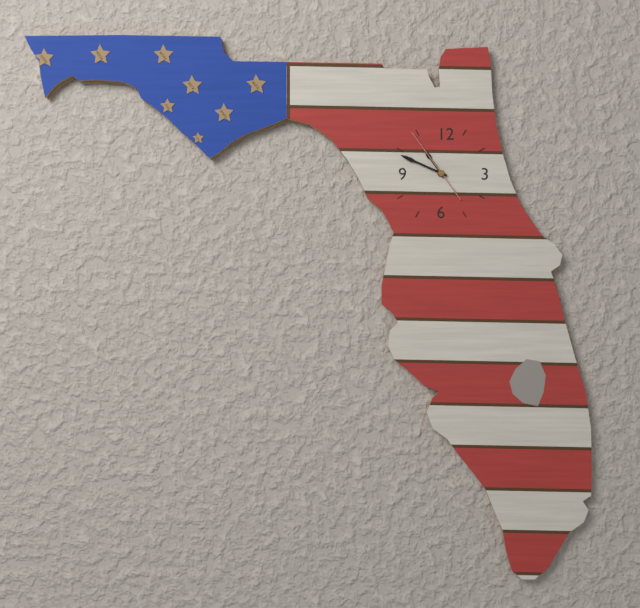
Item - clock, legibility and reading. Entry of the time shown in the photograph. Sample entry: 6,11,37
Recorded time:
10,49,54
